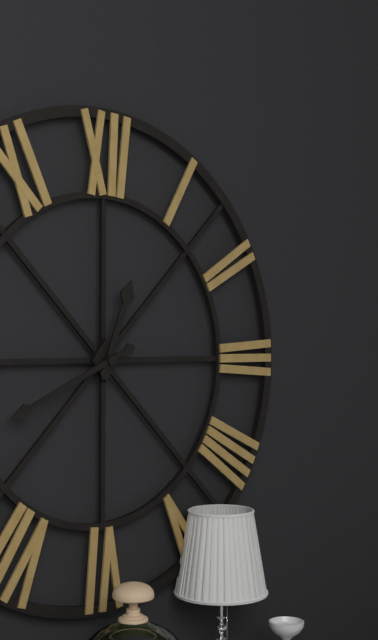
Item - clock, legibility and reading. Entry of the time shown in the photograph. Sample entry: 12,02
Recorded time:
12,41
